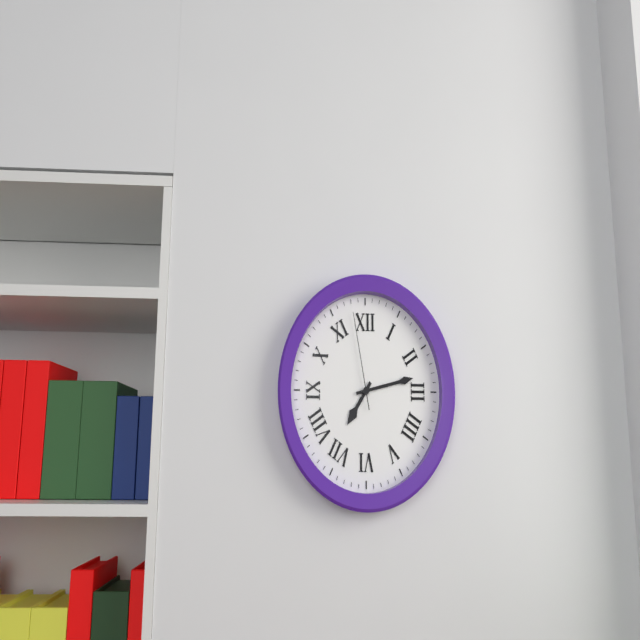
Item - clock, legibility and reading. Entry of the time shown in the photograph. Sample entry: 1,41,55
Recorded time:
7,13,58
